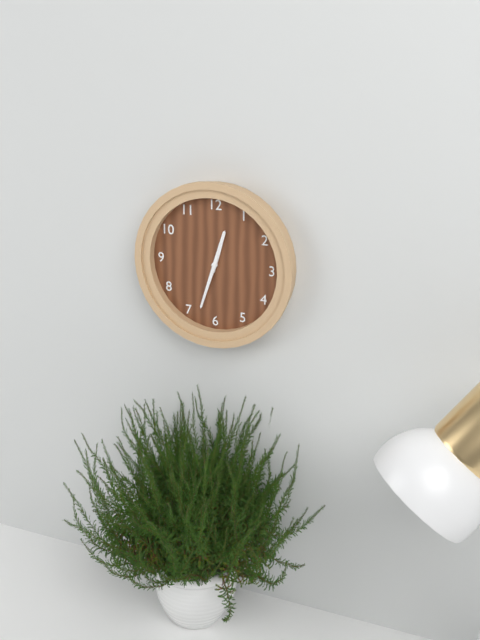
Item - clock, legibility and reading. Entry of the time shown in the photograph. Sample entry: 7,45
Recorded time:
12,33
